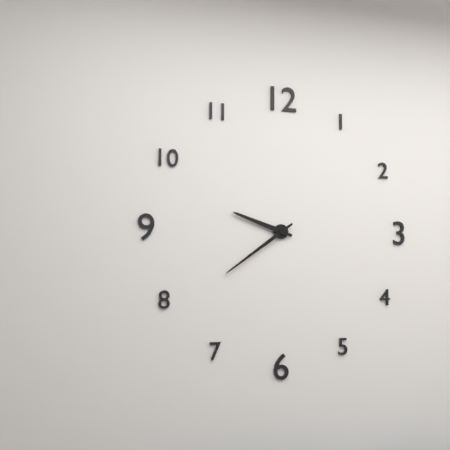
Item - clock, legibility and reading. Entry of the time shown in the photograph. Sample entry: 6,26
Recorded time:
9,39
